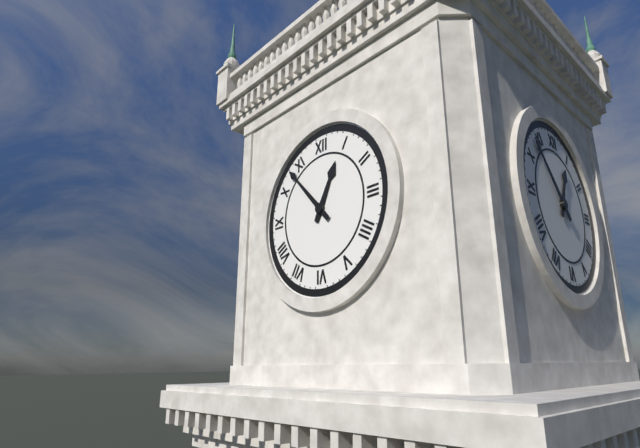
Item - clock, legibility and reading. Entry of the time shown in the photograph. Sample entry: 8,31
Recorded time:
12,53
